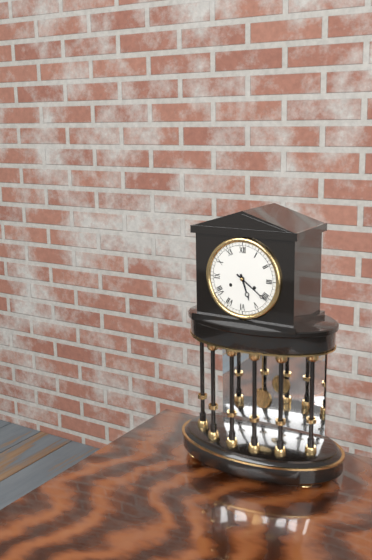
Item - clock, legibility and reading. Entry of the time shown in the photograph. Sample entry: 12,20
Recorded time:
5,21
